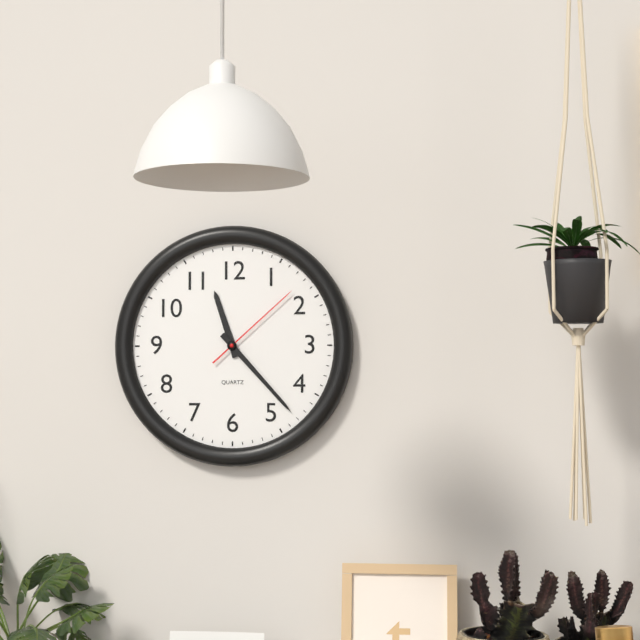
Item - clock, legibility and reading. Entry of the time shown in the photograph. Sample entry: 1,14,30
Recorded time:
11,23,08
